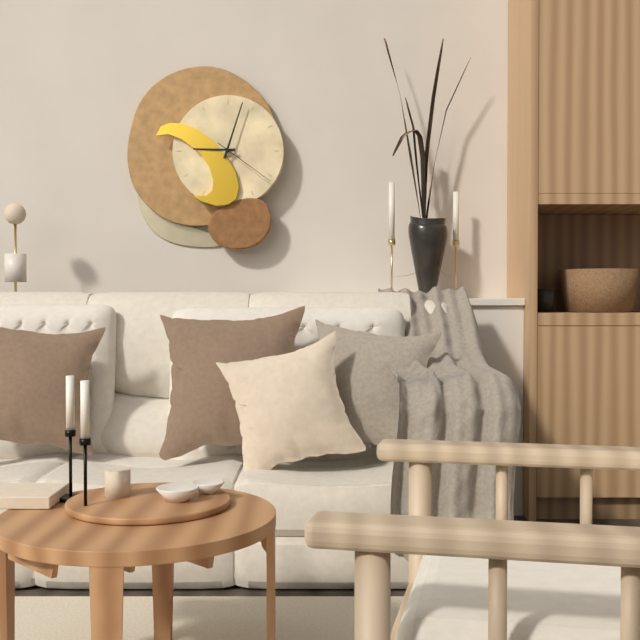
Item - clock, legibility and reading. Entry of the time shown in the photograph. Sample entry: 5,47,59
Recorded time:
9,03,21
